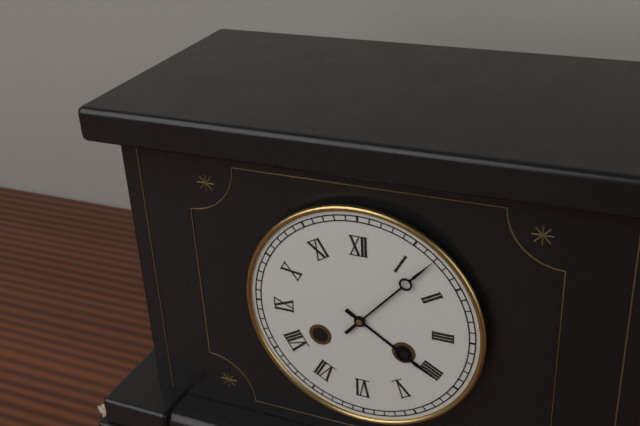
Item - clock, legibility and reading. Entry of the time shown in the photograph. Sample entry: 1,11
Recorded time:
4,07
